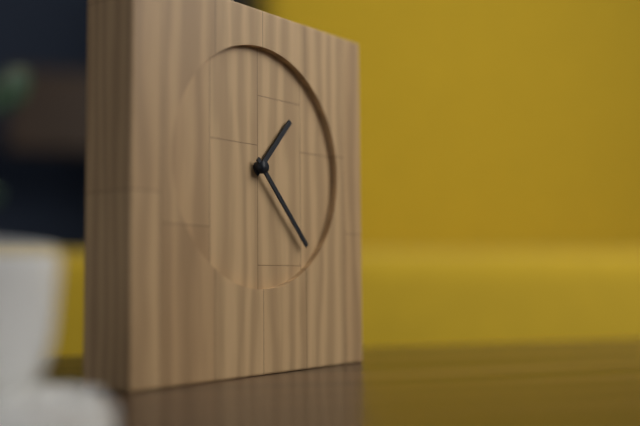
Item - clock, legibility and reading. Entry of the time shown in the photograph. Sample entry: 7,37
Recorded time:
1,23
